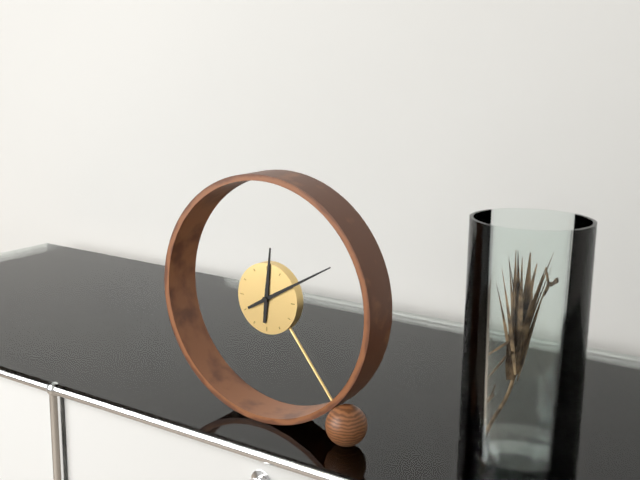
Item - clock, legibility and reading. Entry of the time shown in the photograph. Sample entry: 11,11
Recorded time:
12,10
